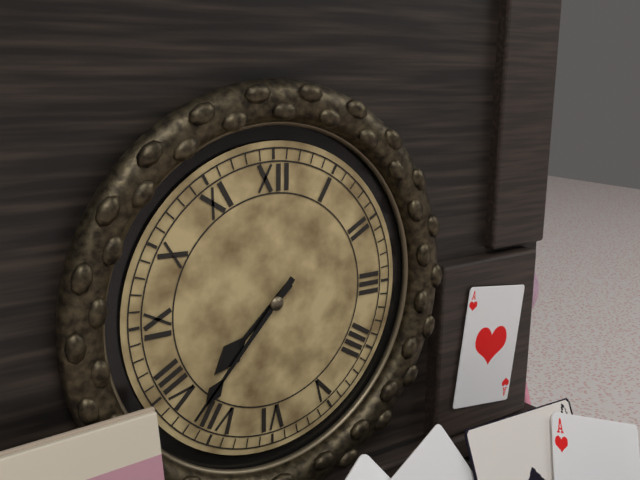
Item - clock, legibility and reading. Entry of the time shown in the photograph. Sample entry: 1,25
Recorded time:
7,37
